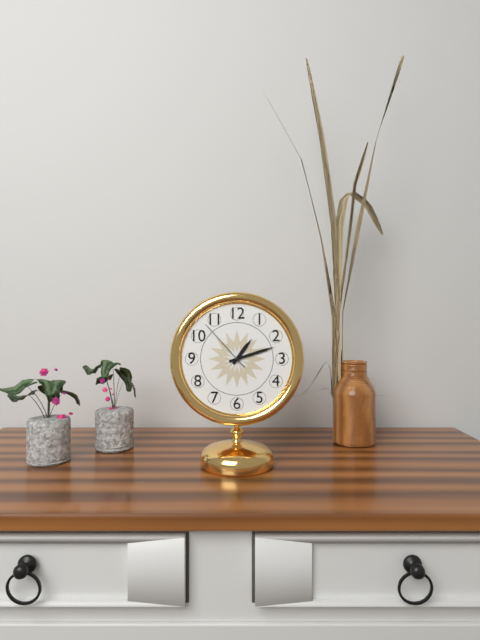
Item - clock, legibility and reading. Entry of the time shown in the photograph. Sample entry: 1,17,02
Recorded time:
1,12,53
